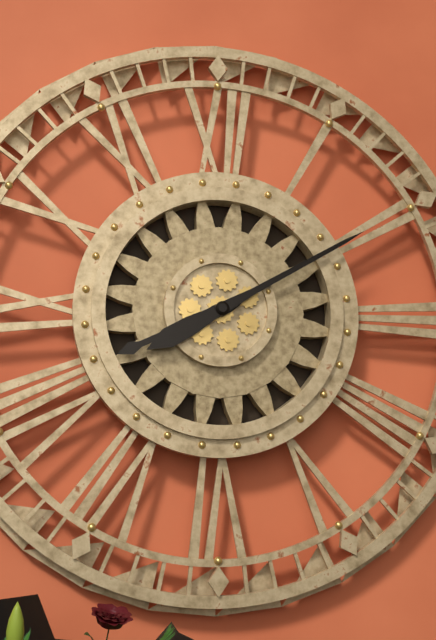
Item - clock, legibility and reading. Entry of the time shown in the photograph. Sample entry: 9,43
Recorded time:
8,10
